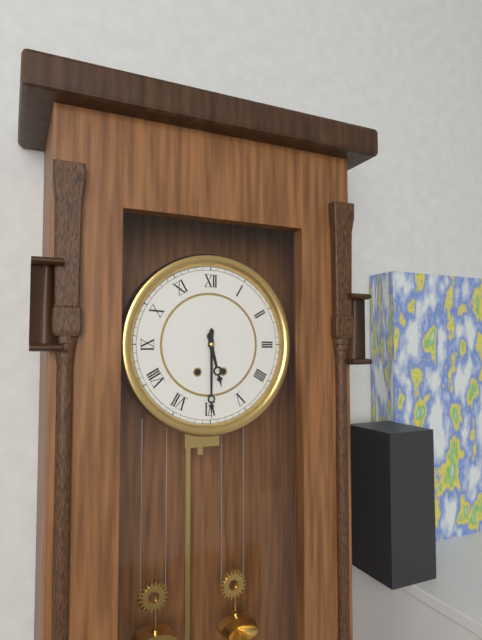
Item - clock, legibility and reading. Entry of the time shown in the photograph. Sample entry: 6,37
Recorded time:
5,30
